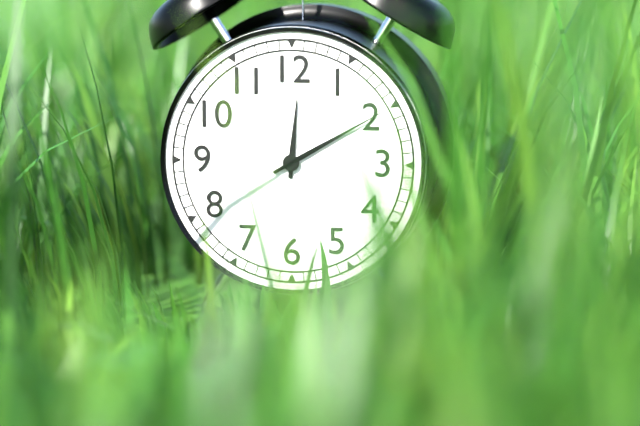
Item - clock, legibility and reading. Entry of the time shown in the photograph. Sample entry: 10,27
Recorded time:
12,10
